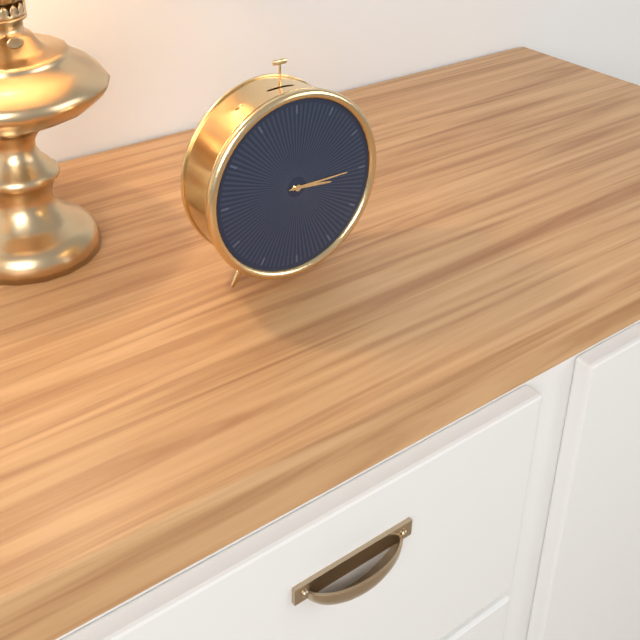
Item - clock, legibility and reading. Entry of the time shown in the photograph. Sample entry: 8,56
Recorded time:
3,15
